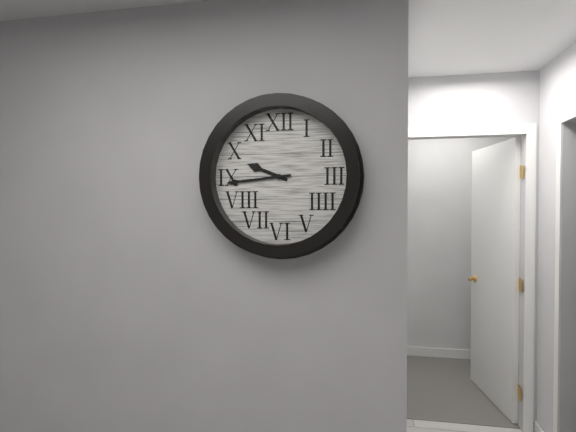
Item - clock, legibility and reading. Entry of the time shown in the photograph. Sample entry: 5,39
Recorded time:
9,44
